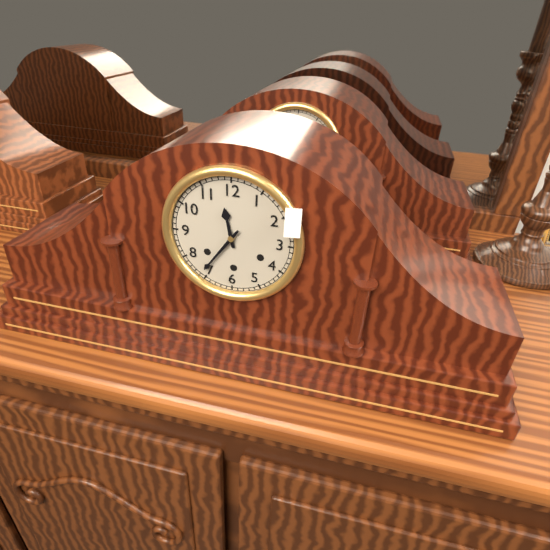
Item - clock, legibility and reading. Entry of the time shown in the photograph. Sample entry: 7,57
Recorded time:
11,36
